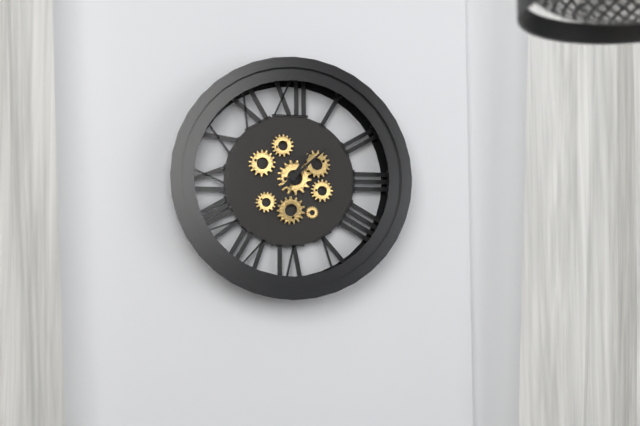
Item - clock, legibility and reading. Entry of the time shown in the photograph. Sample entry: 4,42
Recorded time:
1,08
